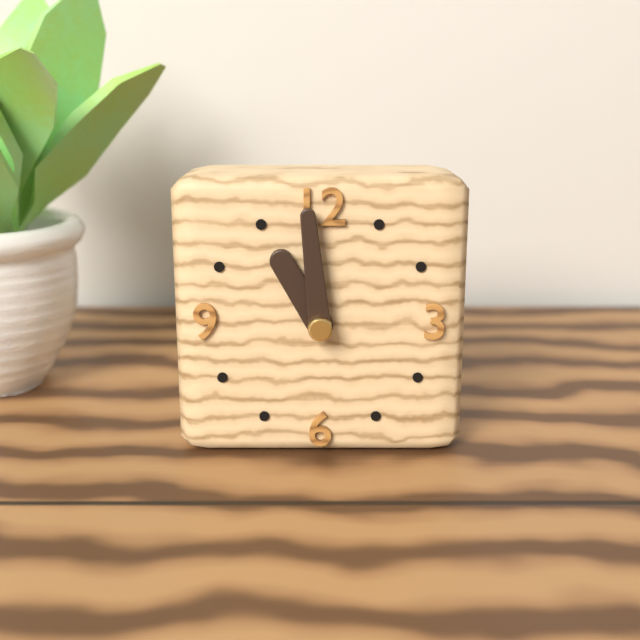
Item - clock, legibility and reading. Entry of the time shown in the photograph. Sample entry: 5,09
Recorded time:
10,59
